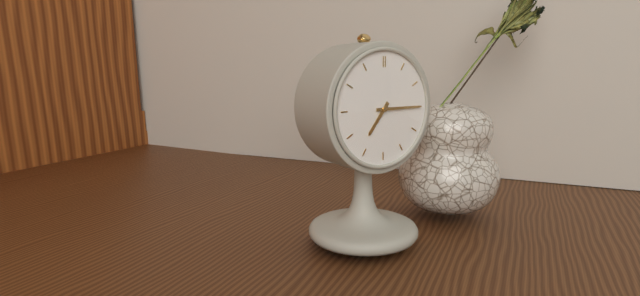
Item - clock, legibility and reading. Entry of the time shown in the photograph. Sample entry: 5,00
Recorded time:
7,15
